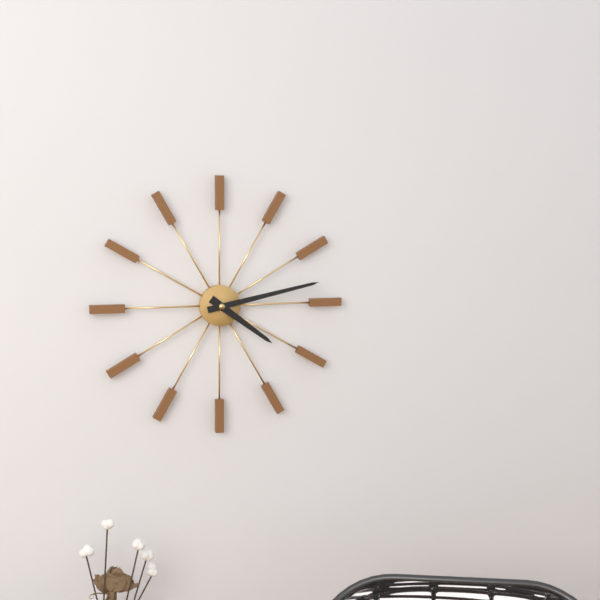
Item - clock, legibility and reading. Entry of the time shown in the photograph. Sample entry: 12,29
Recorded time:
4,13
